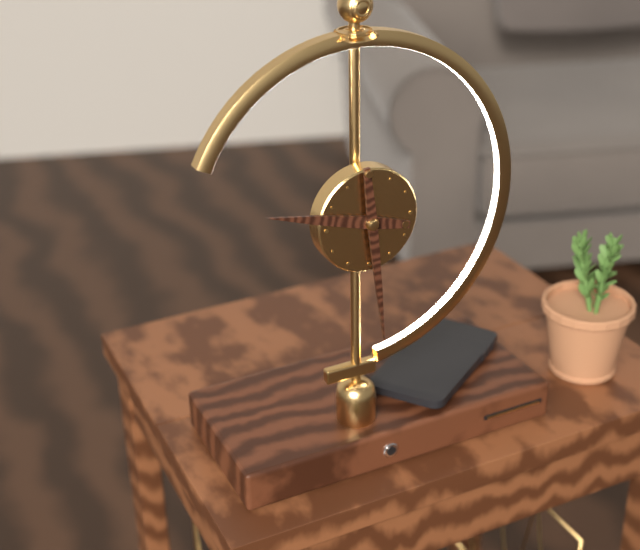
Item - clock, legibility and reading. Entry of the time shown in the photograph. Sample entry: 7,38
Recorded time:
9,29
